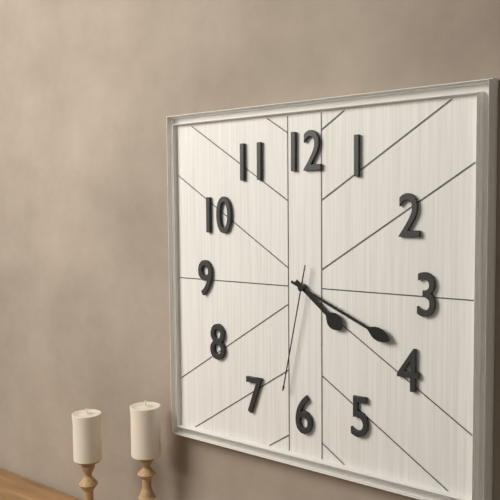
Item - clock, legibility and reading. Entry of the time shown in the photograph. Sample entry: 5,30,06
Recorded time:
4,19,32
